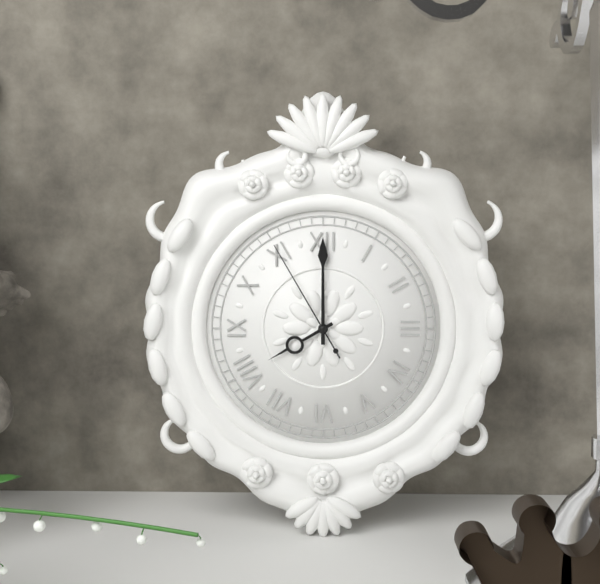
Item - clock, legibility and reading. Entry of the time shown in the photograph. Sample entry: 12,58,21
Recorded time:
8,00,55
